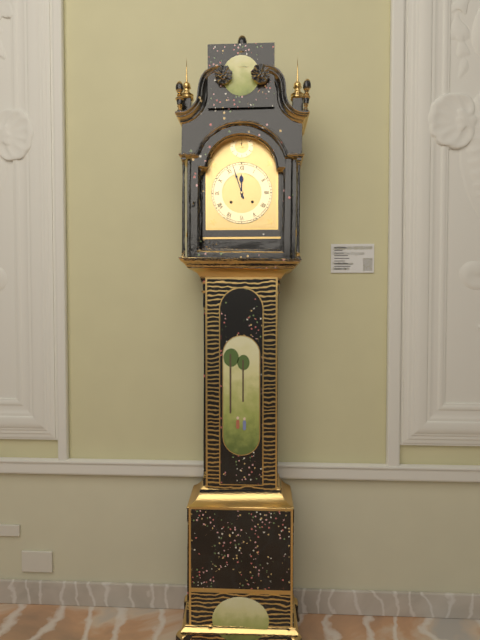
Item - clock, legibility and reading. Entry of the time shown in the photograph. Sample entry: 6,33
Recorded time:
11,57
